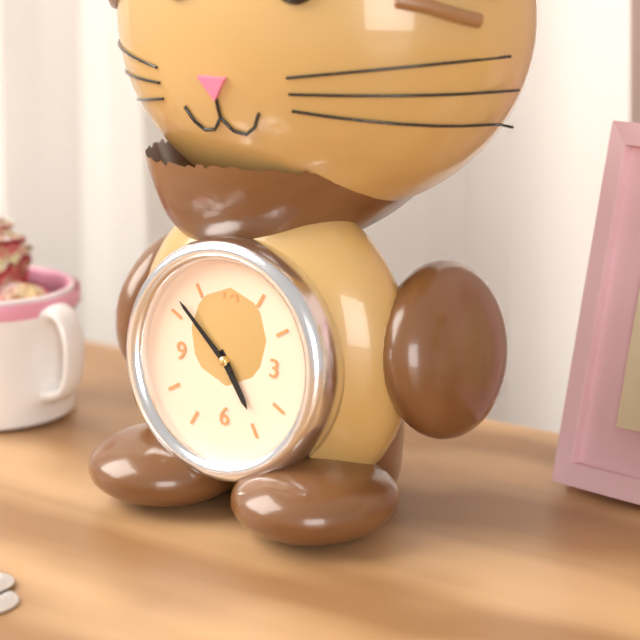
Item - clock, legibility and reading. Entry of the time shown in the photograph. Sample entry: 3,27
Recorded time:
4,52
